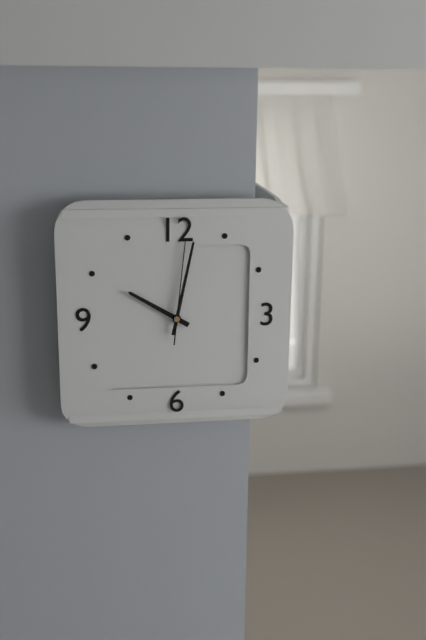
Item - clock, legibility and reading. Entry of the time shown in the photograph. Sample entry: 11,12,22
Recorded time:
10,02,01
